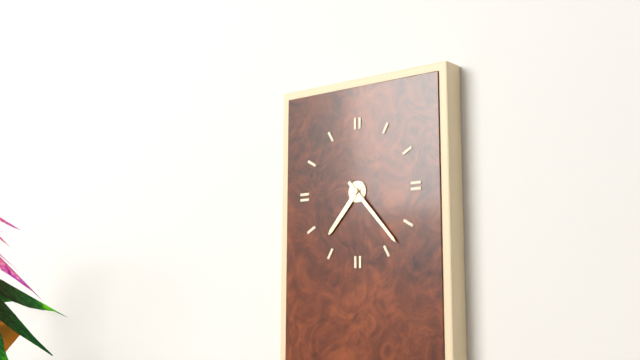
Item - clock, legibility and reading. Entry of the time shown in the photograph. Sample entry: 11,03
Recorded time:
7,23
